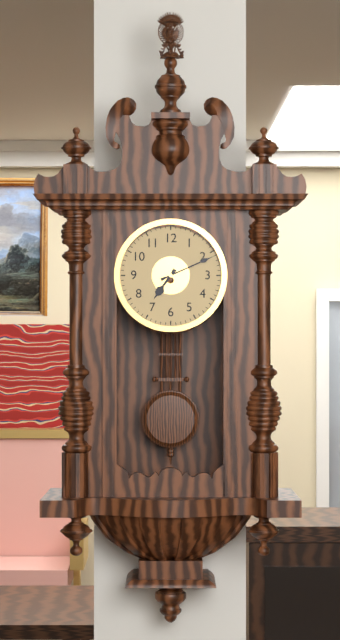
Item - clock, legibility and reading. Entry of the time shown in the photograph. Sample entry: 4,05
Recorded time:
7,11
